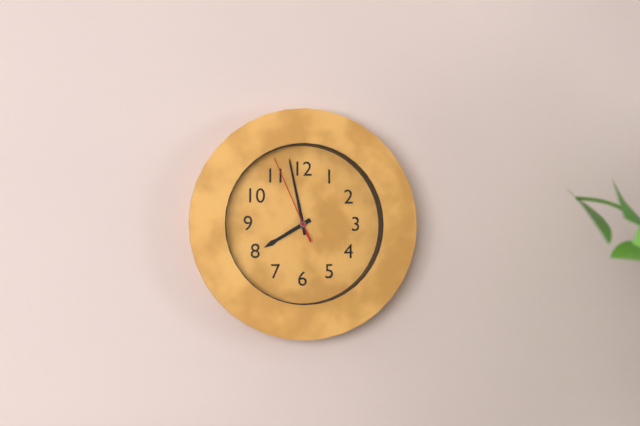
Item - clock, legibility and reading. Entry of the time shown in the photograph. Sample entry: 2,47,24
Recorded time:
7,58,56
